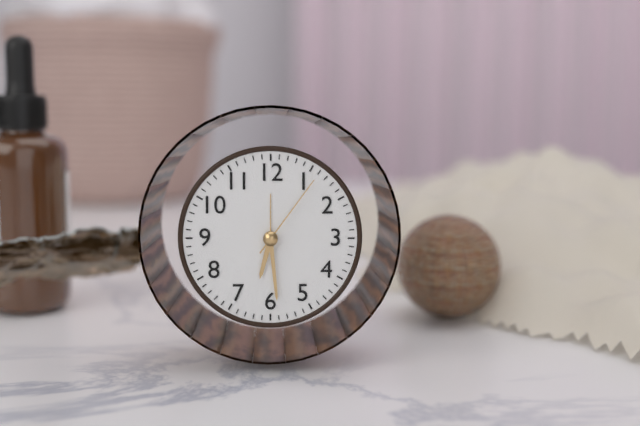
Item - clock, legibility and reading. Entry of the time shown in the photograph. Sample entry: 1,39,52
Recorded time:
6,29,06
